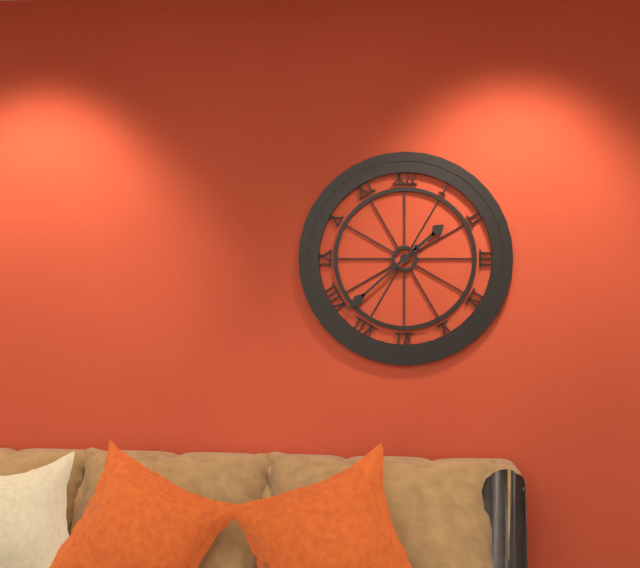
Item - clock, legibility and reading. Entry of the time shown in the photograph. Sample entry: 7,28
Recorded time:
1,38
